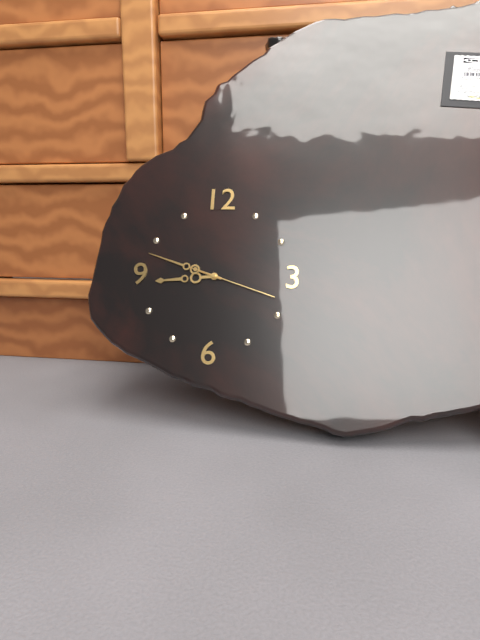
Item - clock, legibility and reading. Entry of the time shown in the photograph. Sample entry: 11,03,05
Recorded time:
8,48,18
